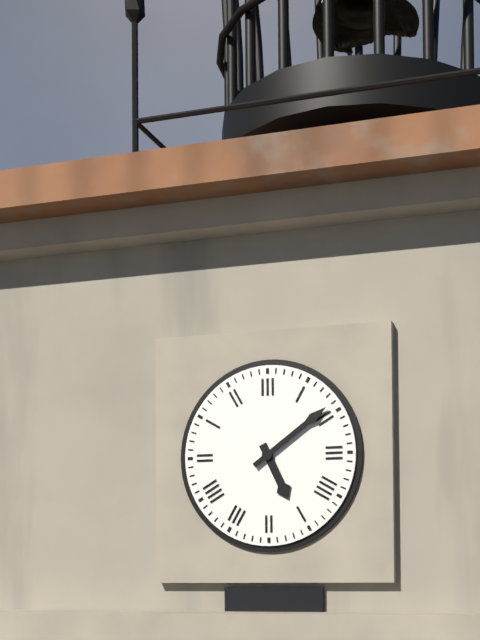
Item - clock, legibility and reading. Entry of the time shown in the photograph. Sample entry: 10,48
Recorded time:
5,09
